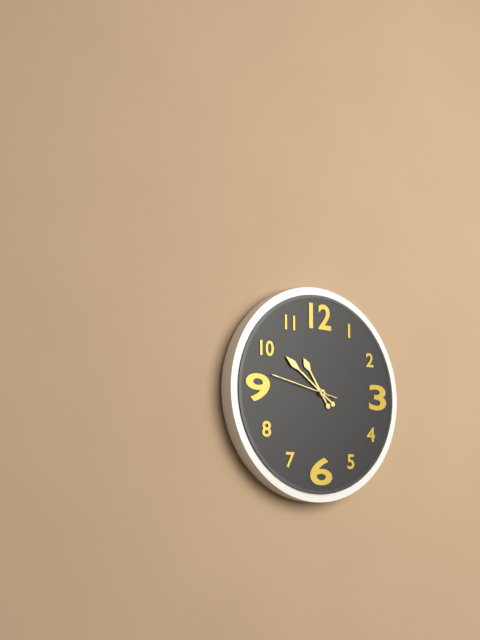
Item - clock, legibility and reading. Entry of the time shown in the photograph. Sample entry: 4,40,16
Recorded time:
10,51,47
